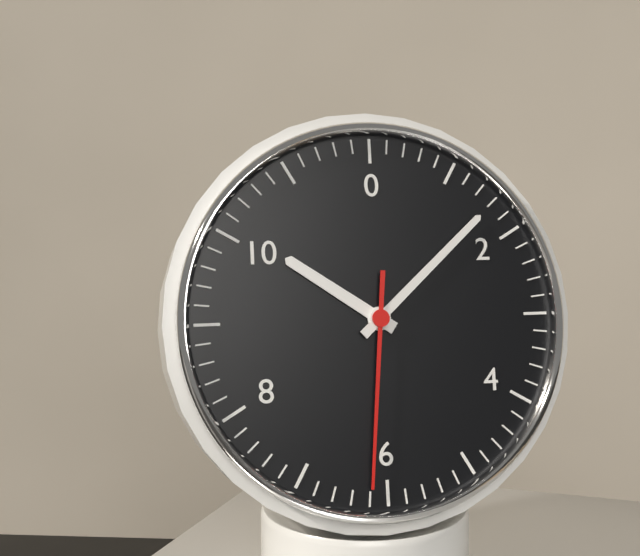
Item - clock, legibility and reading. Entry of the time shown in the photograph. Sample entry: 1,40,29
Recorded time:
10,08,31
